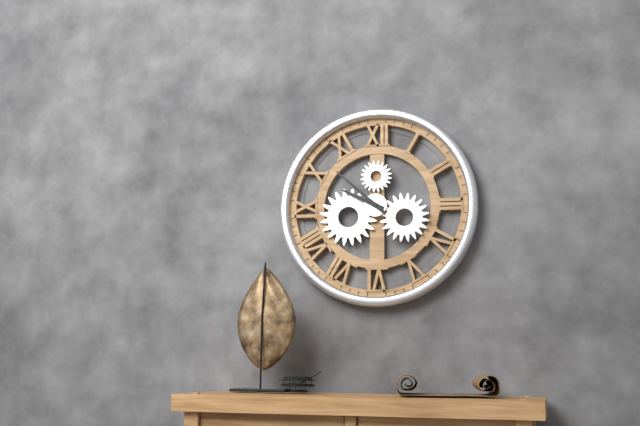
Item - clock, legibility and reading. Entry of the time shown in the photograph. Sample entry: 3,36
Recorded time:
9,52
